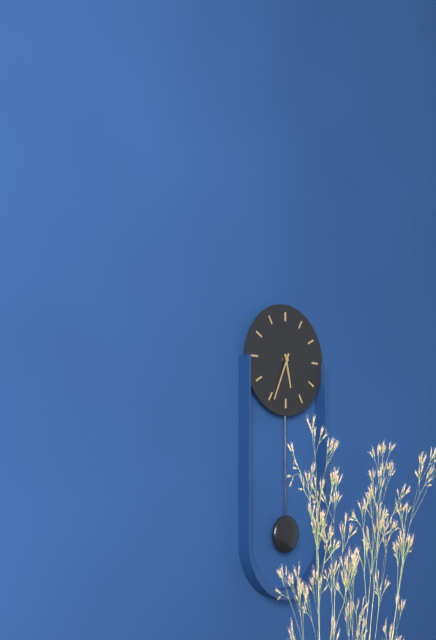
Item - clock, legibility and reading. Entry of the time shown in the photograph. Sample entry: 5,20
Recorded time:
5,34
